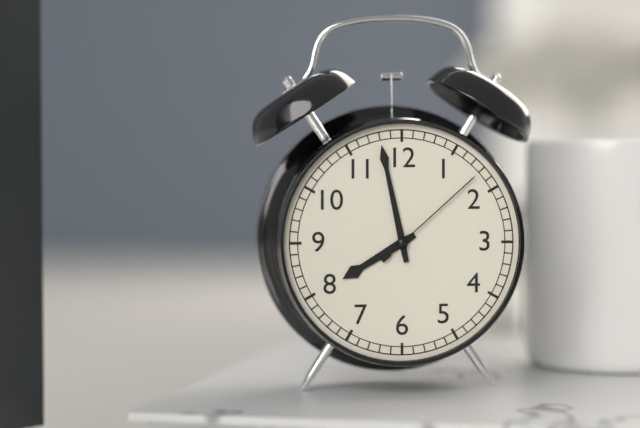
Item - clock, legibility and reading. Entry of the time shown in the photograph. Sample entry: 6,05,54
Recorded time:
7,58,08
